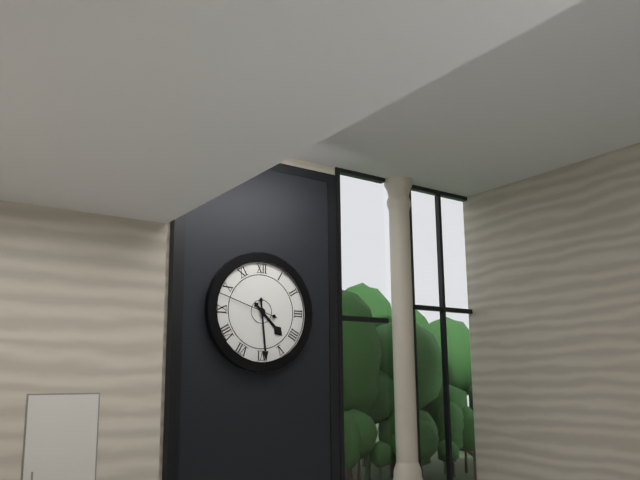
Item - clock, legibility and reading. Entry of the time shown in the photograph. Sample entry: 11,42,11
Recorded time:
4,29,48
